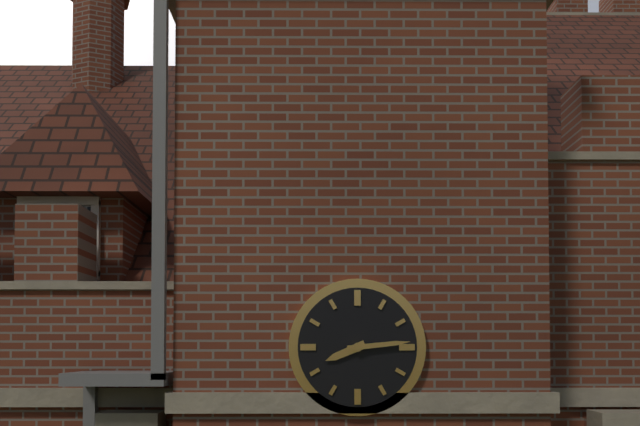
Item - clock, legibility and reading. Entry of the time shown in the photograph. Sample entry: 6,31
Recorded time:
8,14
